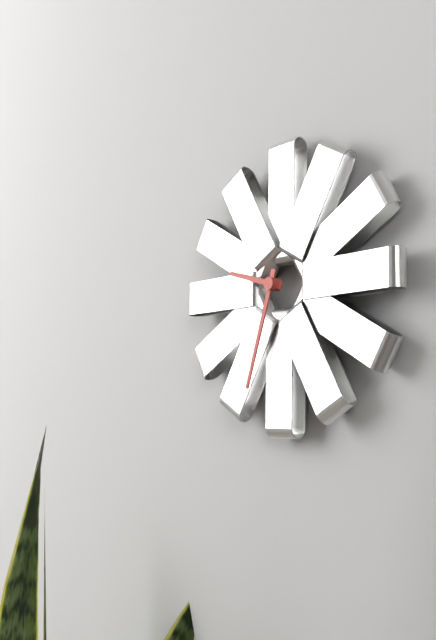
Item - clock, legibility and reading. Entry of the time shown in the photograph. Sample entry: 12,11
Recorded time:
9,33
